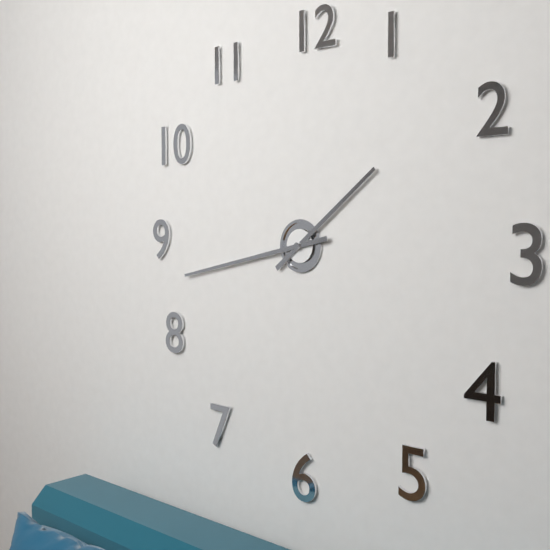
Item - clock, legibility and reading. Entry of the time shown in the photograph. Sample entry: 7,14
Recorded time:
1,43
